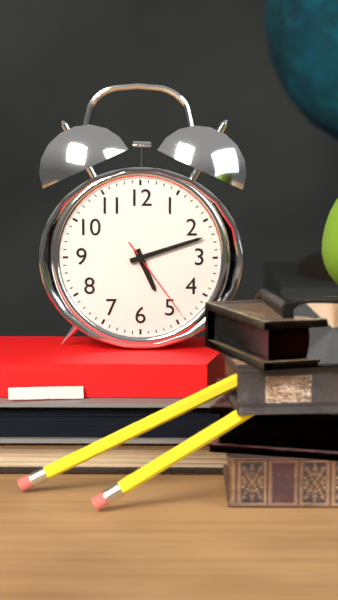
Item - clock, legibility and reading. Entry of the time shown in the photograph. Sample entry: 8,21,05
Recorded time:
5,12,24
